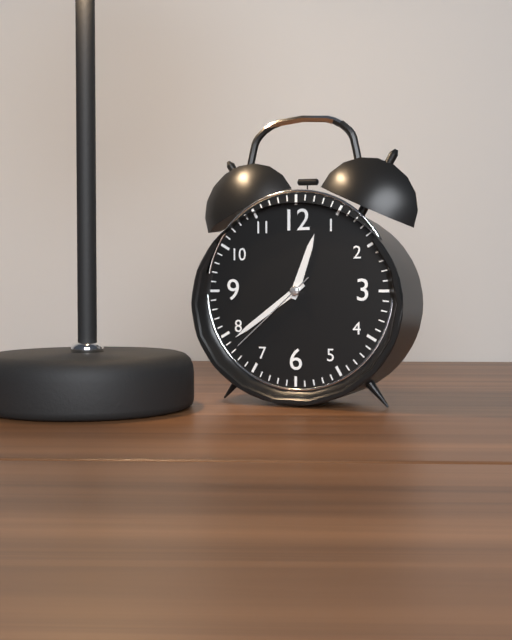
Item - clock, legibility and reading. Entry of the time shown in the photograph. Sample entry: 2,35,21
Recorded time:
12,39,38
